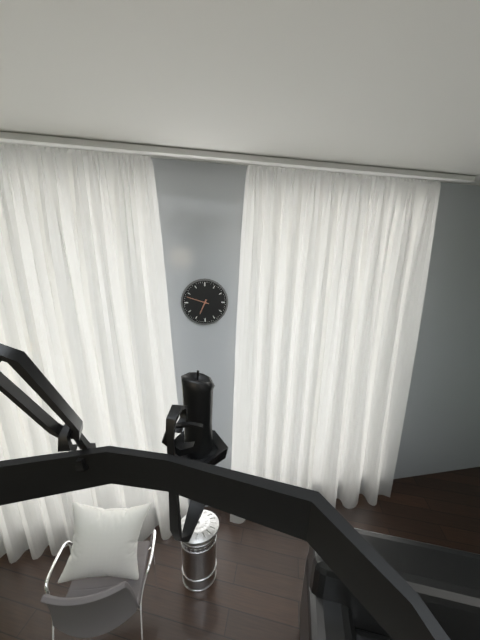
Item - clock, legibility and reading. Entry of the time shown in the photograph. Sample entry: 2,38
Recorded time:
6,48
